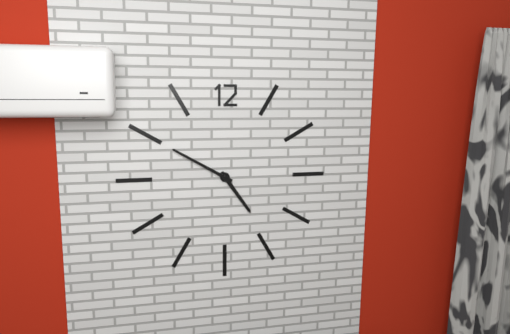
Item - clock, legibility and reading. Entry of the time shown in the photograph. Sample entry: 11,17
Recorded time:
4,50
